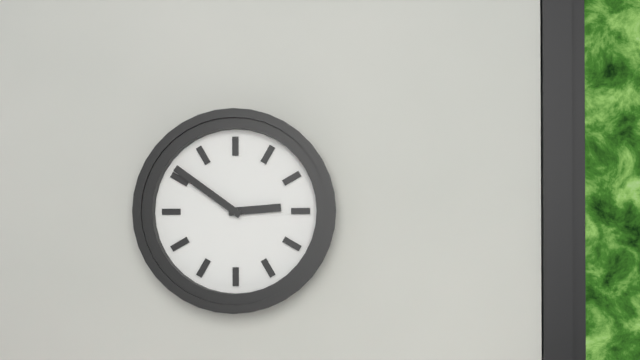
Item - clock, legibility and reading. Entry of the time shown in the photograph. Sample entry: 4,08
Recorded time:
2,51
